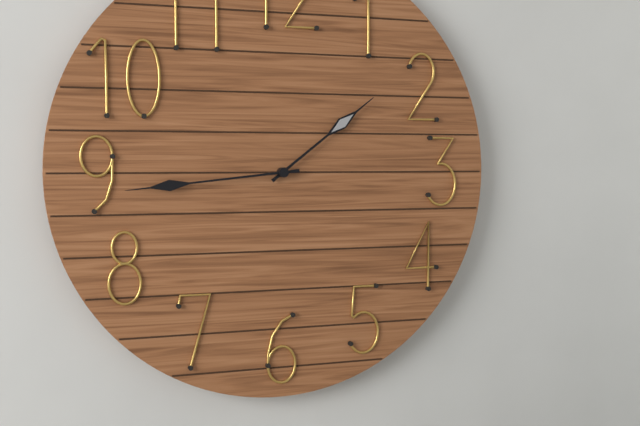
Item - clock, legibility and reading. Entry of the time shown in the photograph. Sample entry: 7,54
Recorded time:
1,44
